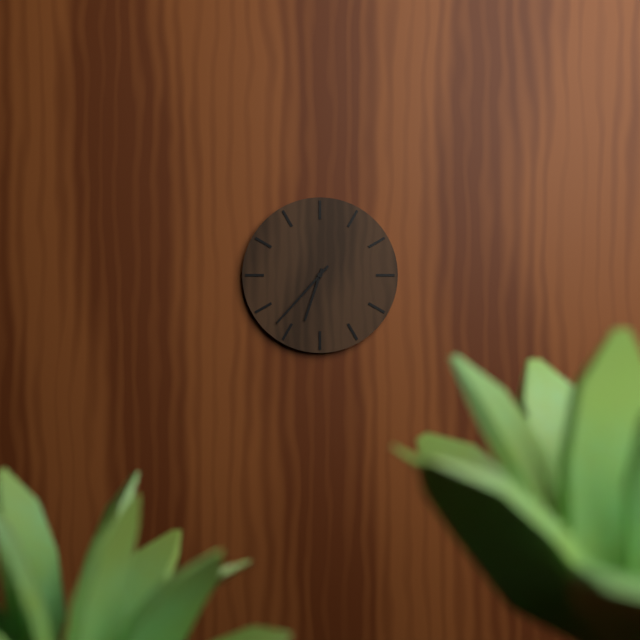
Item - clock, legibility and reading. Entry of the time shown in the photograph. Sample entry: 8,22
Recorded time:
6,37
